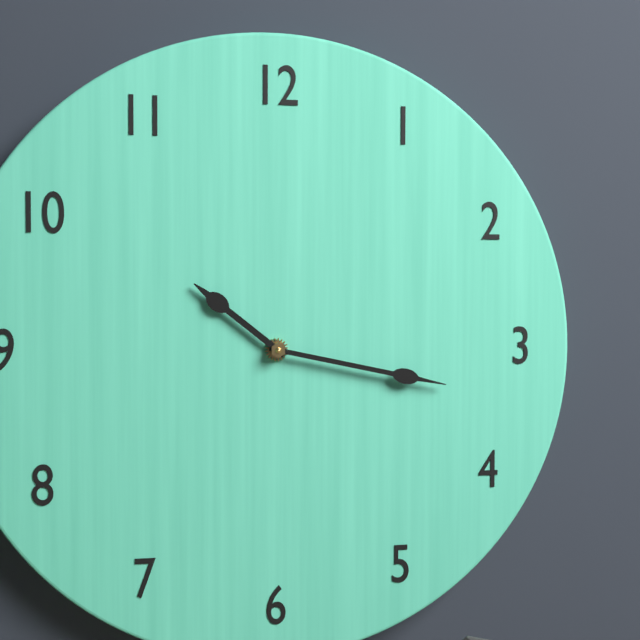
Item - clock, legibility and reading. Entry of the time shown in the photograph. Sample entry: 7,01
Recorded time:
10,17
